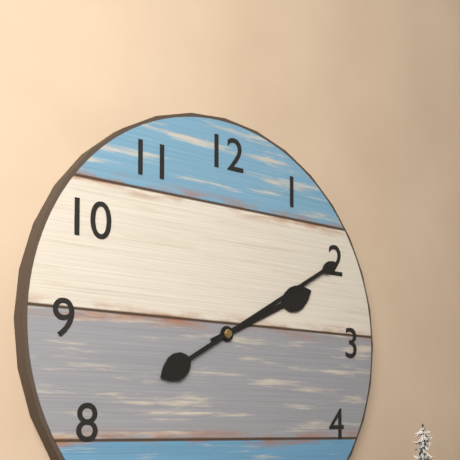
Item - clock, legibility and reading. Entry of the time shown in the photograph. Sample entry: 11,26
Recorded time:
2,10
